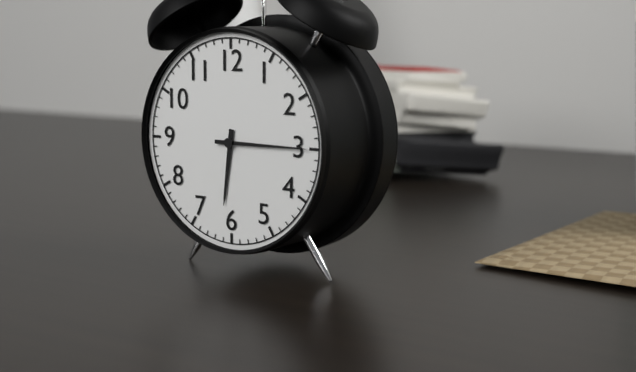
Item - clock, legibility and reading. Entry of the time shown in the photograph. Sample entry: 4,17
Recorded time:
6,15
